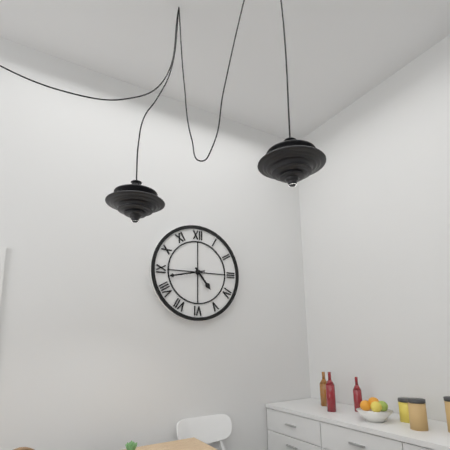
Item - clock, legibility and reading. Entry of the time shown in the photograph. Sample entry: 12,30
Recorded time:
4,43
